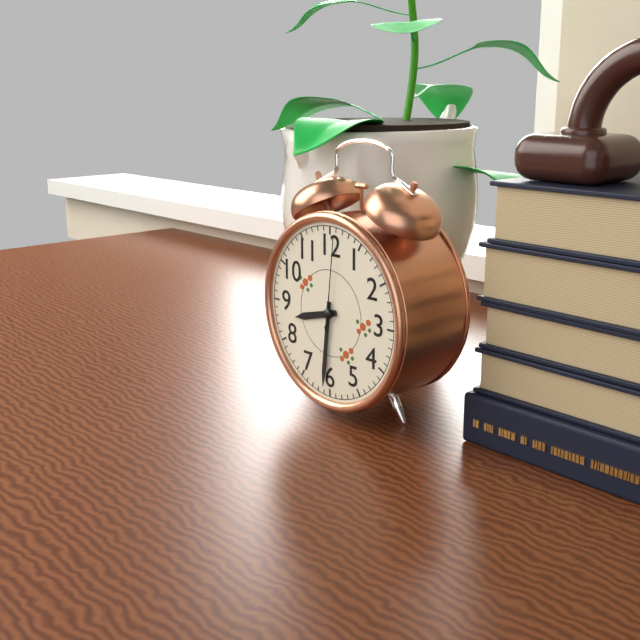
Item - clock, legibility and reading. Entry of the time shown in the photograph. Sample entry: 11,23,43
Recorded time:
8,31,01
